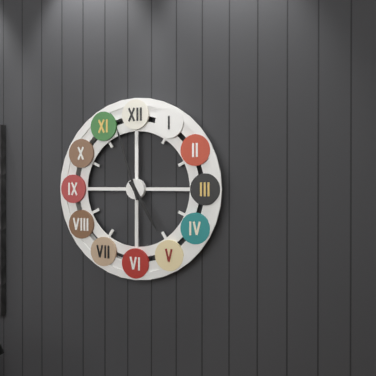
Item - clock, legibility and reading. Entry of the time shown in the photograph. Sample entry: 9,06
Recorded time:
4,57
